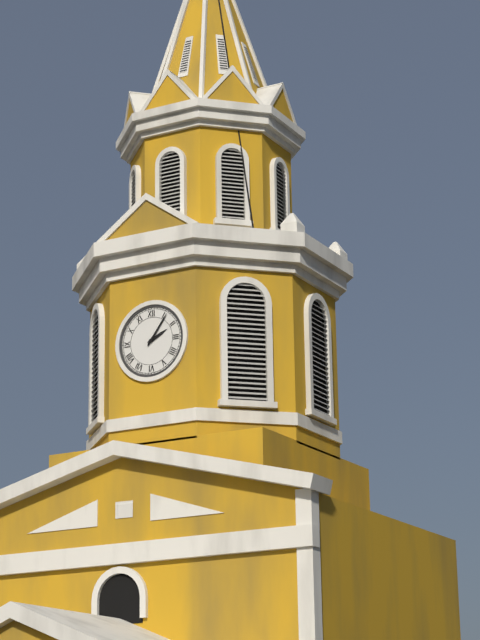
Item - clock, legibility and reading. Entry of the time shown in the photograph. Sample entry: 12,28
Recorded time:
2,06
